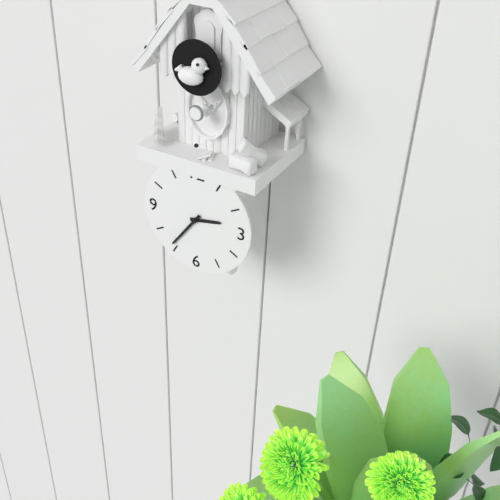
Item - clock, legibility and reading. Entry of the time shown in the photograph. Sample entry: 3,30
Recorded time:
2,36
